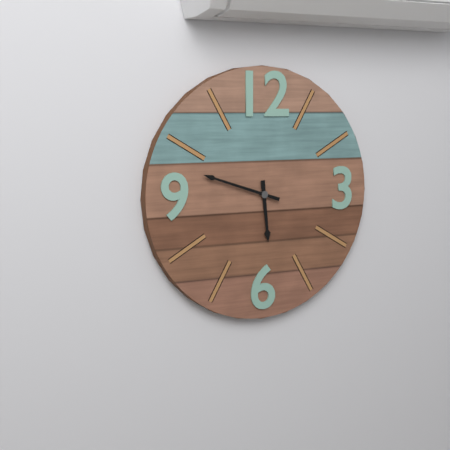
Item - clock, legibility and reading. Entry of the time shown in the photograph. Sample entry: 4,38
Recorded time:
5,48
